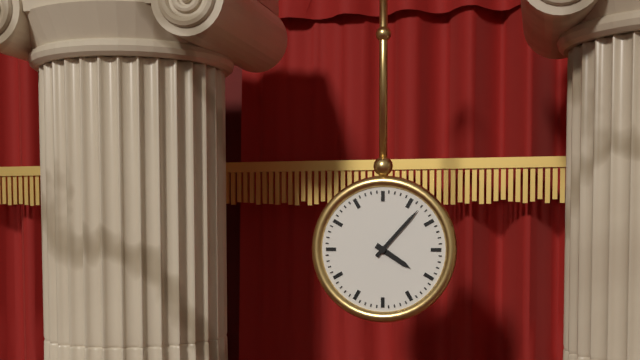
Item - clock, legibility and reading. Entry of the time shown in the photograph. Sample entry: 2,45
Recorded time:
4,07
